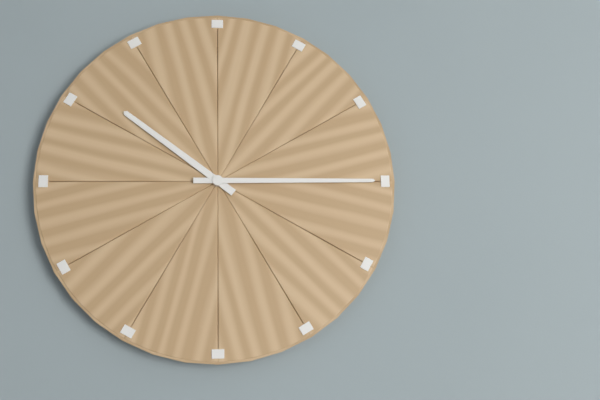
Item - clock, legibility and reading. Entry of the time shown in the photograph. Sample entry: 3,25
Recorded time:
10,15
